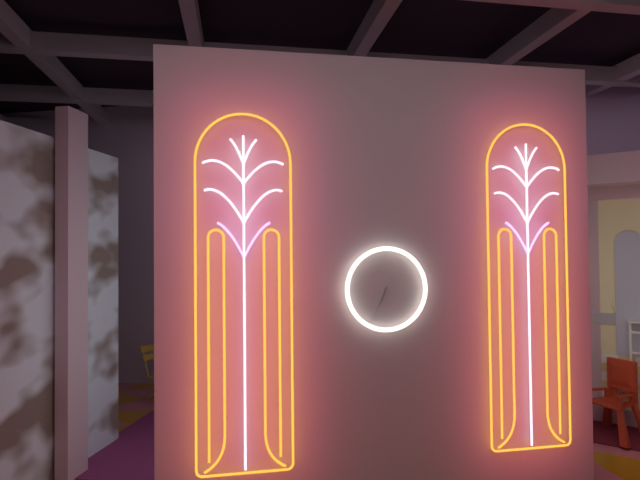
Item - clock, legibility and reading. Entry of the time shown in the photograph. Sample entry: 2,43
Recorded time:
6,34
